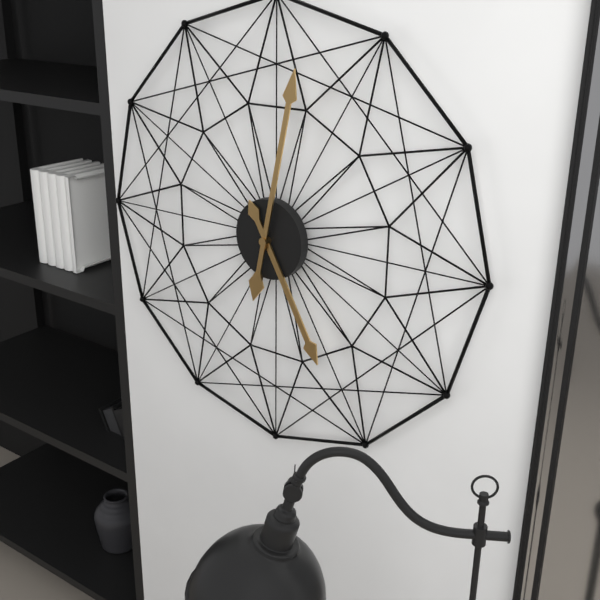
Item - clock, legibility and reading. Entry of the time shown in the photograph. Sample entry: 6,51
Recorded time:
5,02
